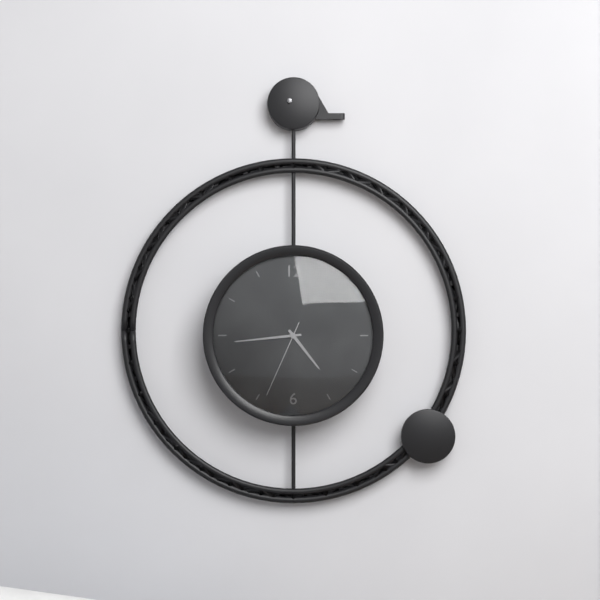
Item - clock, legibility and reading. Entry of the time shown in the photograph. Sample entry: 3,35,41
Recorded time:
4,44,34
